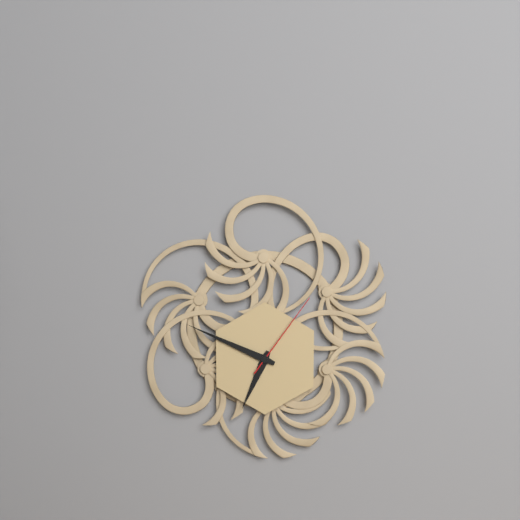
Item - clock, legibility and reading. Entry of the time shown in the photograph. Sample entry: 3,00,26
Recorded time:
6,49,06
